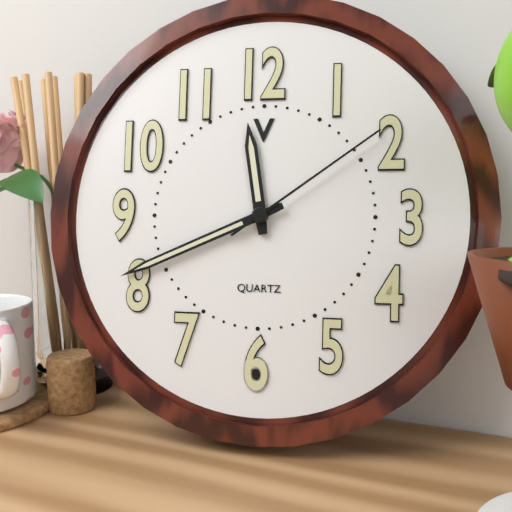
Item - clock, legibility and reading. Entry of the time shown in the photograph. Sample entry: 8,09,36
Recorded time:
11,41,09
